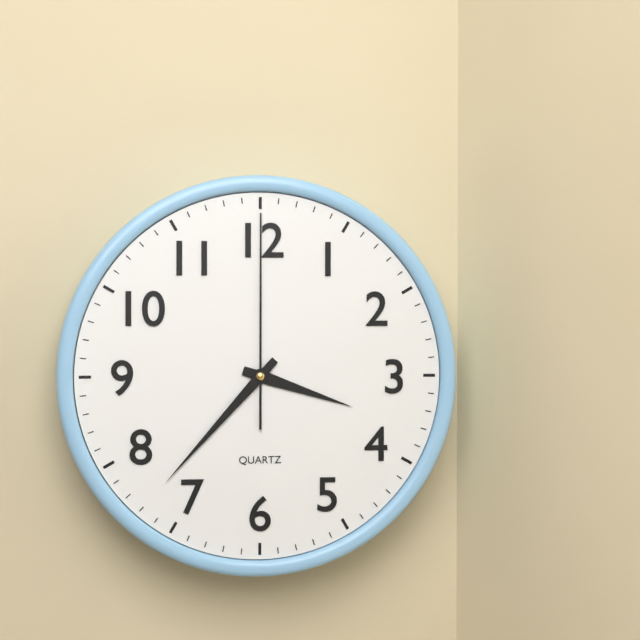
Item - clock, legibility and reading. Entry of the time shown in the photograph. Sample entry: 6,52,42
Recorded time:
3,37,00
